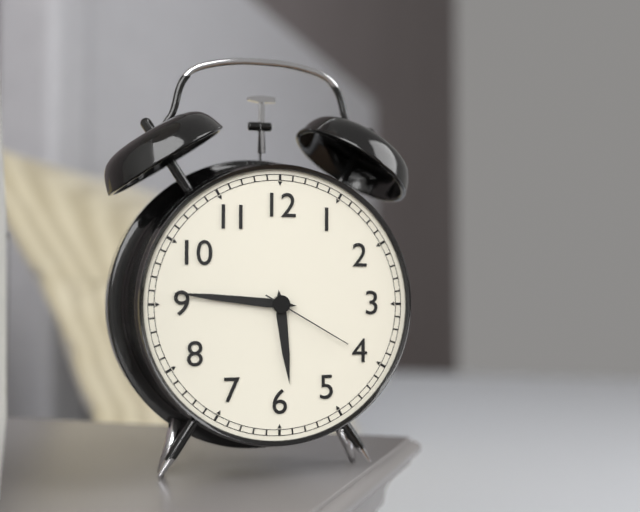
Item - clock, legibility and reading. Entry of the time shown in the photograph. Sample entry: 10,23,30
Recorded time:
5,46,20
